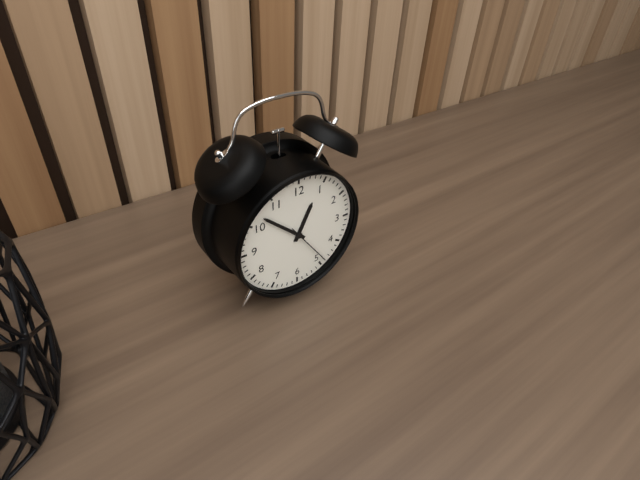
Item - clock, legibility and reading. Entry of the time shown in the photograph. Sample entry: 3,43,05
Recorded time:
12,52,24
